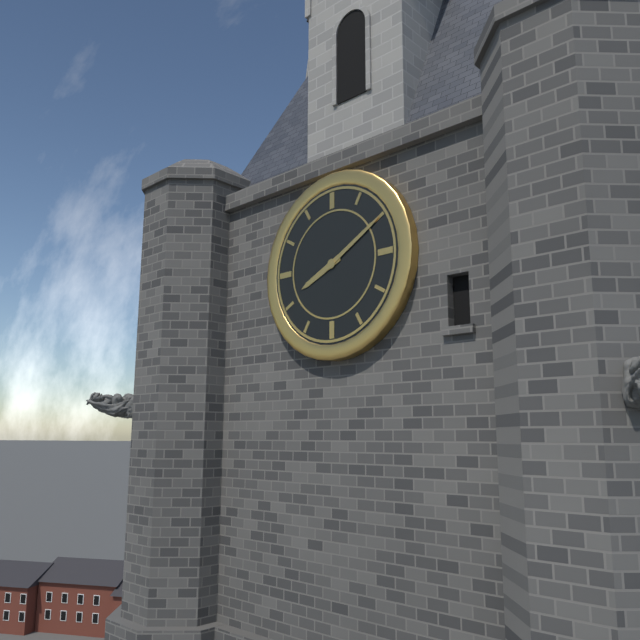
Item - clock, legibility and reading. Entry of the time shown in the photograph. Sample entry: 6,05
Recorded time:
8,10
